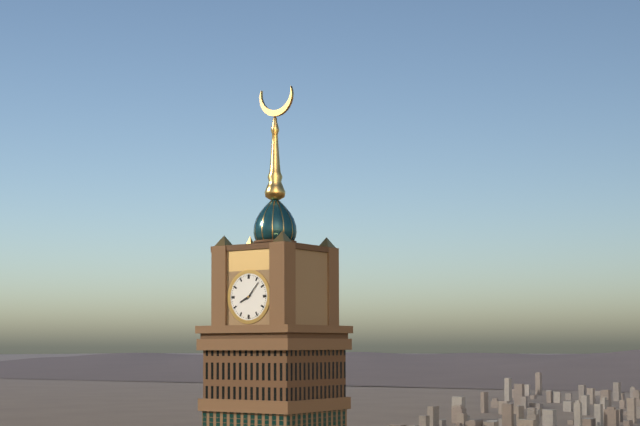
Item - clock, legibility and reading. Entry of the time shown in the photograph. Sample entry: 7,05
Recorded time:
8,07
